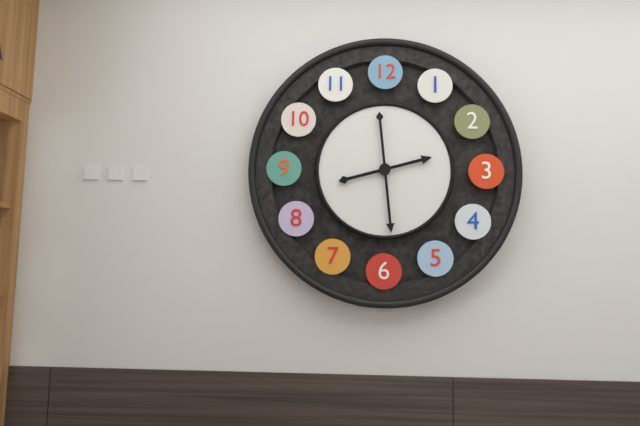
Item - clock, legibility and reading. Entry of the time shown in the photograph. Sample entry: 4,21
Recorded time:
2,29
